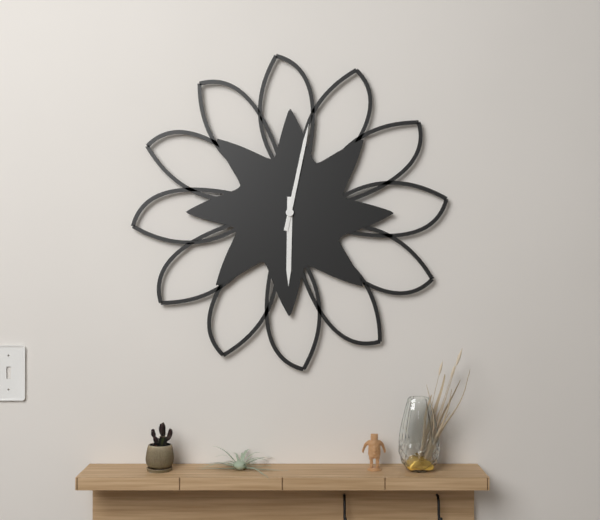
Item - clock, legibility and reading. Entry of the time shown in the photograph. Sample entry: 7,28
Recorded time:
6,02
